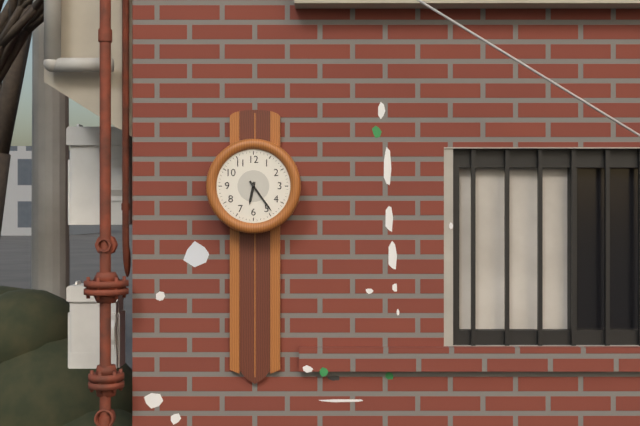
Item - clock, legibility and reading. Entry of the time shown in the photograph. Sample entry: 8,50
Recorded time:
6,24
